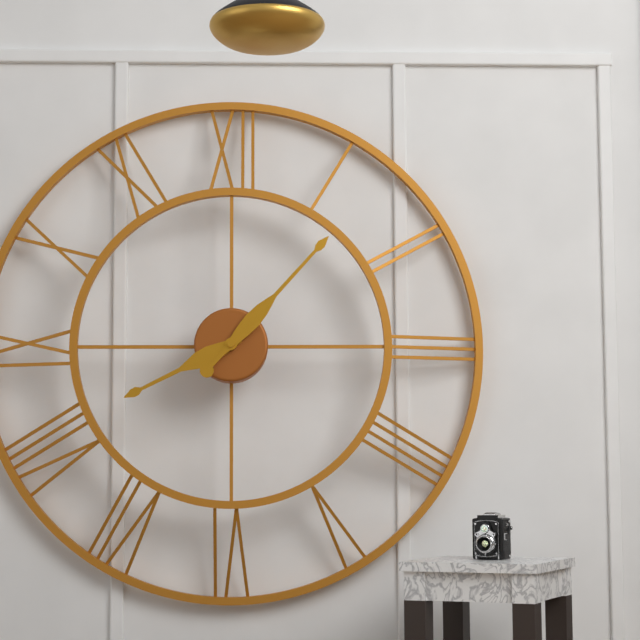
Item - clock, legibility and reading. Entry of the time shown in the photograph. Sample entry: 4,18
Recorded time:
8,07
